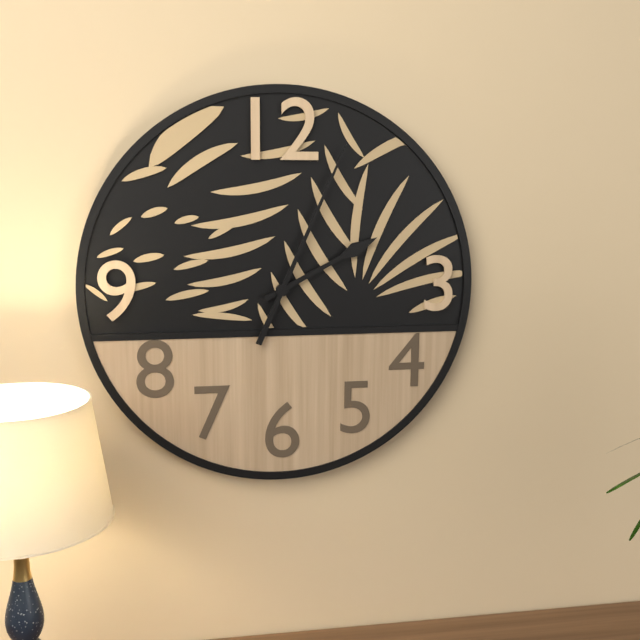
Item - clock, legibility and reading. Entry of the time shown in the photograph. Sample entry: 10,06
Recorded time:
2,04
